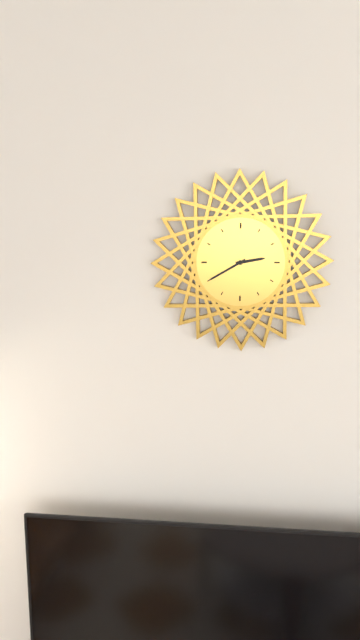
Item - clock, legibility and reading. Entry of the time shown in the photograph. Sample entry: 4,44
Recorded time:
2,40
